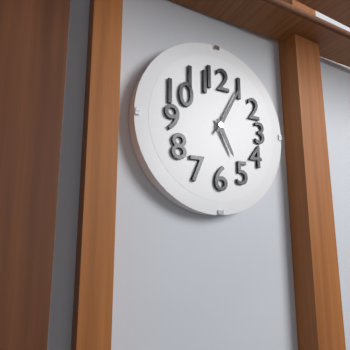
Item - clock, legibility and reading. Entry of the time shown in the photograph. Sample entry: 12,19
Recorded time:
5,05
